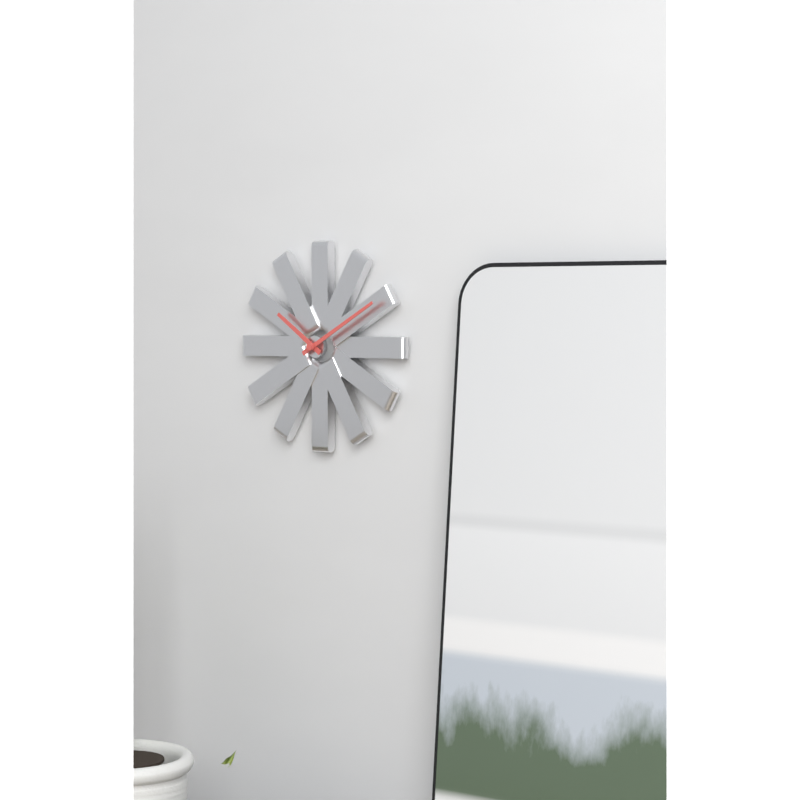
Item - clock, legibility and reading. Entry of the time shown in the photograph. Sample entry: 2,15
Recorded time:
10,10
